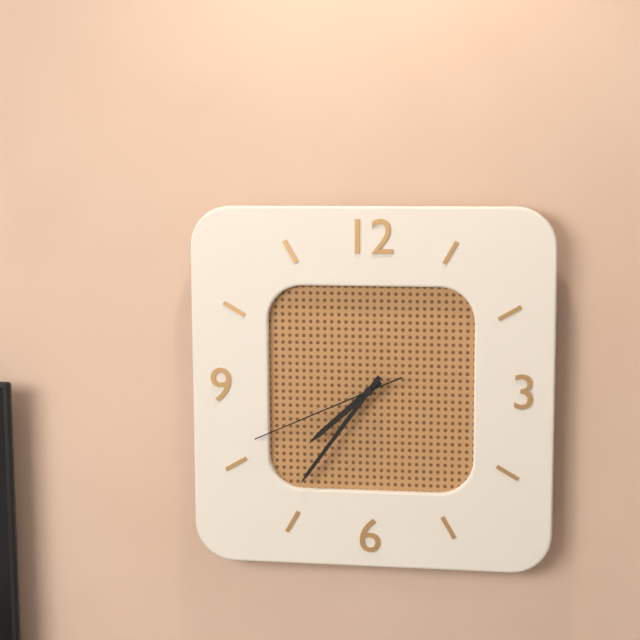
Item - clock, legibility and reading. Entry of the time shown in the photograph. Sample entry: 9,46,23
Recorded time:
7,36,41
